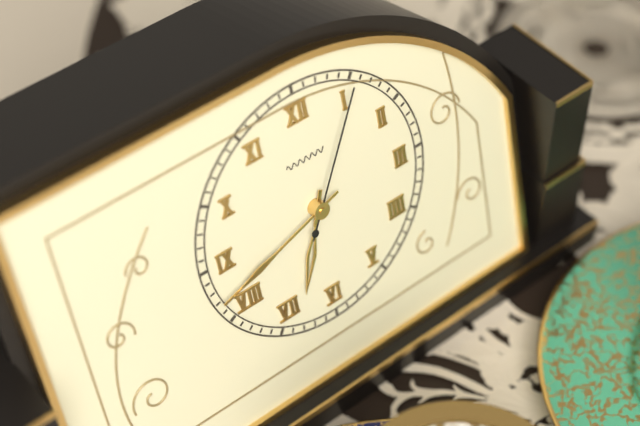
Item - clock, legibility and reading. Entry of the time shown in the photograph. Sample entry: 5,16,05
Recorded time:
6,42,05
